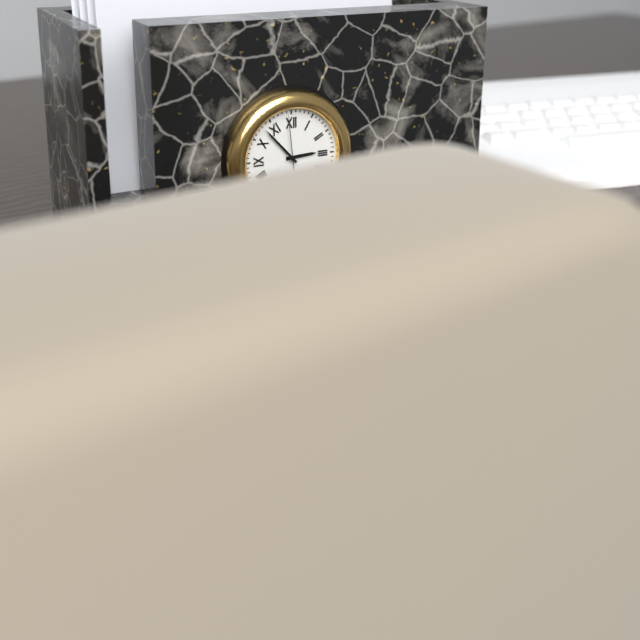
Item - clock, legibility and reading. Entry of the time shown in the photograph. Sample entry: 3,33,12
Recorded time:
2,53,59
